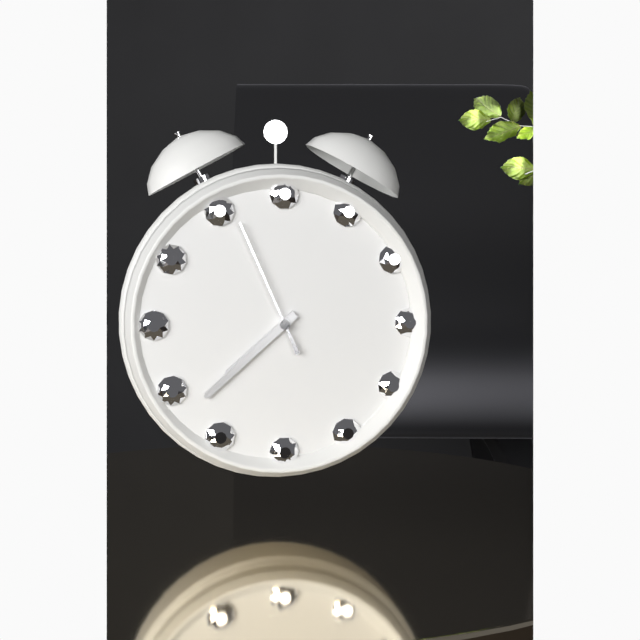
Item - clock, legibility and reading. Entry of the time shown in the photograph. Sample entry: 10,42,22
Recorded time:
7,38,56
